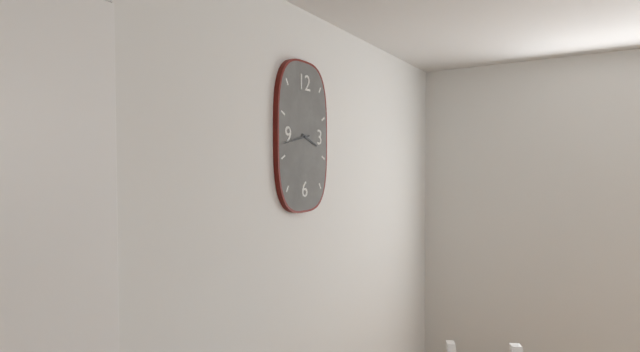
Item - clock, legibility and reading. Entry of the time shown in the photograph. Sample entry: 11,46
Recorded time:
3,43
